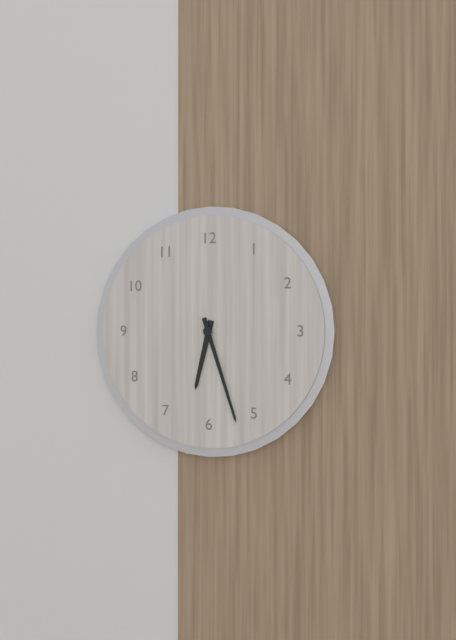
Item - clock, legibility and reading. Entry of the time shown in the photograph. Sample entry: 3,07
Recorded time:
6,27
